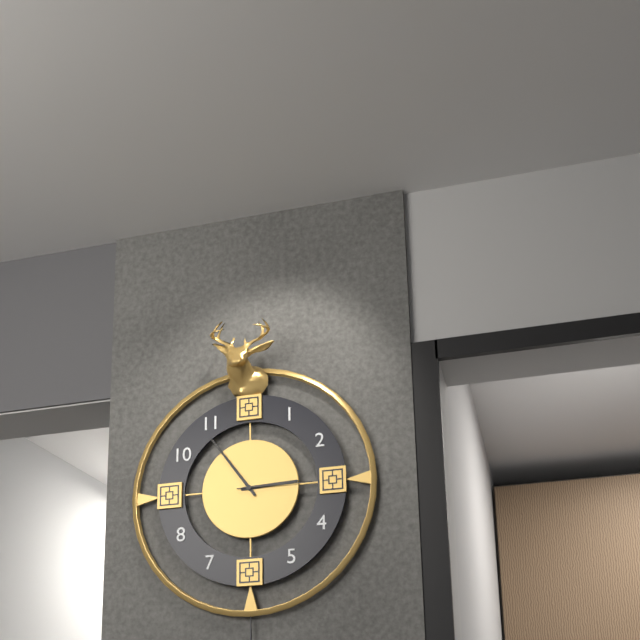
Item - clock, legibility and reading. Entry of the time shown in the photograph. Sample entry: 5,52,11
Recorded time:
2,54,15
